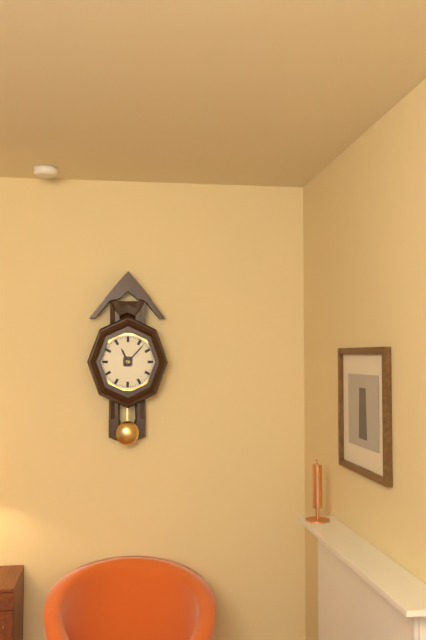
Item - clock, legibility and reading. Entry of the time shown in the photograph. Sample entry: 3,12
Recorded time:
11,07
